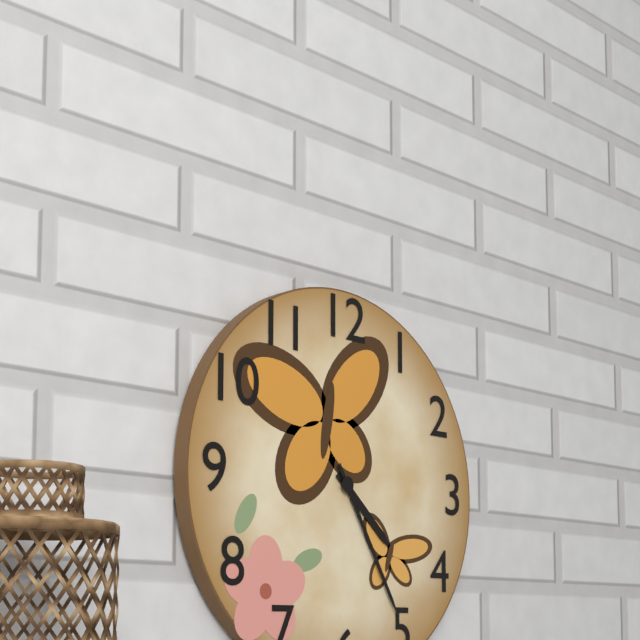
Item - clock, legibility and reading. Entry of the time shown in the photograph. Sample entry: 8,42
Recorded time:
4,25
